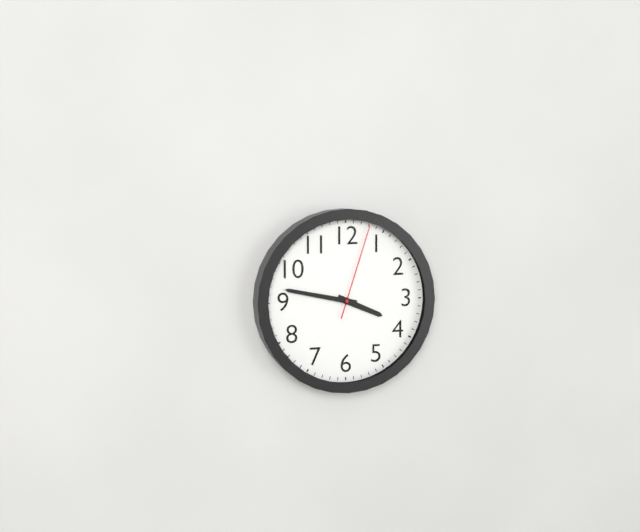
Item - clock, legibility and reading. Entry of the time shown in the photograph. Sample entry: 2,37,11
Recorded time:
3,47,03
